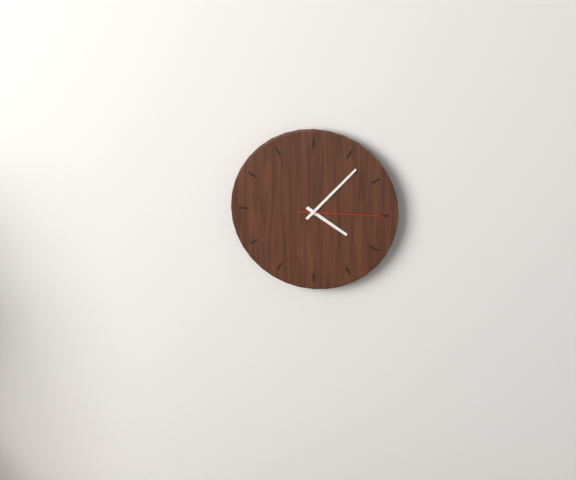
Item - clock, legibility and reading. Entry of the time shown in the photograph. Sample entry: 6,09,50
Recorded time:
4,07,15
